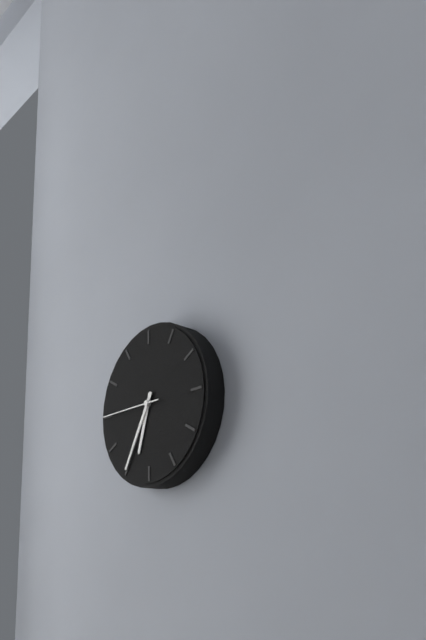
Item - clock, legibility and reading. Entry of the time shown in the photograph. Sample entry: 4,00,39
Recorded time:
6,35,45
